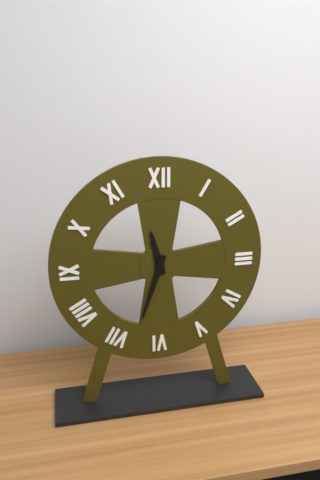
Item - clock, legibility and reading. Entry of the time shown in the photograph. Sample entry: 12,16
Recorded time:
11,33
